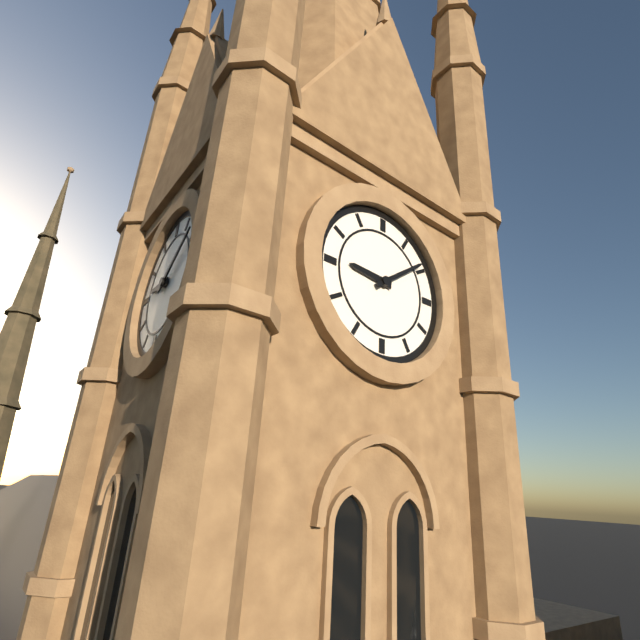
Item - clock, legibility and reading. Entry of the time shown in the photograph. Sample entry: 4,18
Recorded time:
9,09
